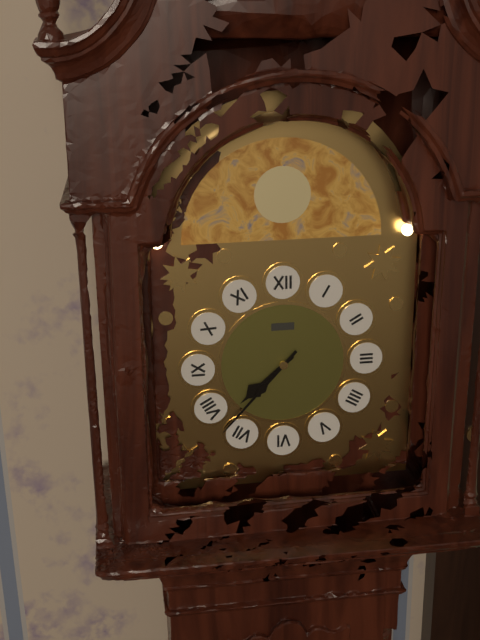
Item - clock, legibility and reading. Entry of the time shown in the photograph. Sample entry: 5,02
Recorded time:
7,37
